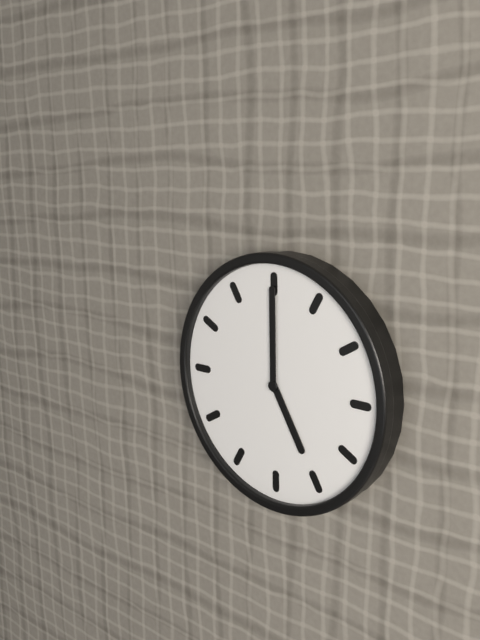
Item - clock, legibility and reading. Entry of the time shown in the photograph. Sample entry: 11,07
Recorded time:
5,00
